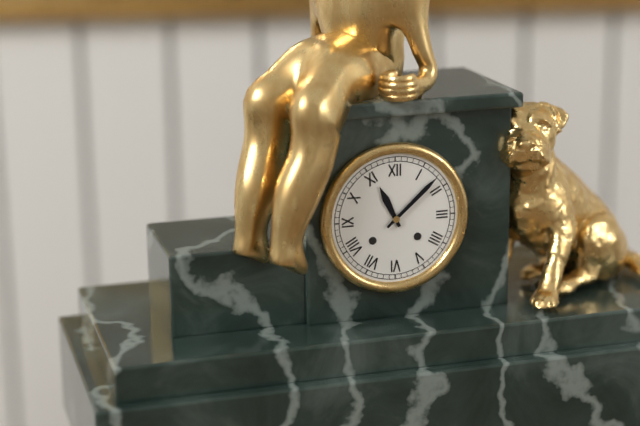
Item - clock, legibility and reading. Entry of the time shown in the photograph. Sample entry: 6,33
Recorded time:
11,08
